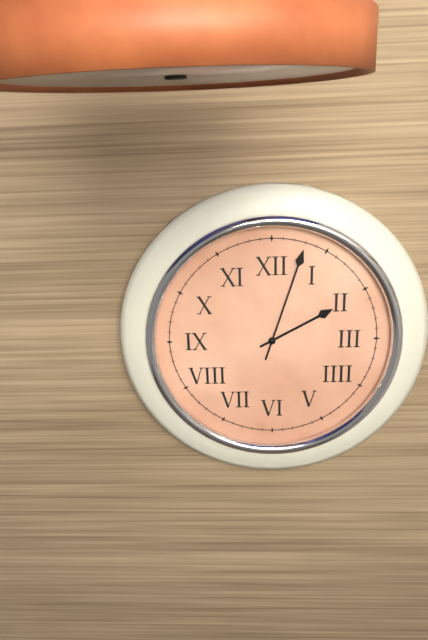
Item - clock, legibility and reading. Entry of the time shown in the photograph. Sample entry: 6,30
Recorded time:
2,03
